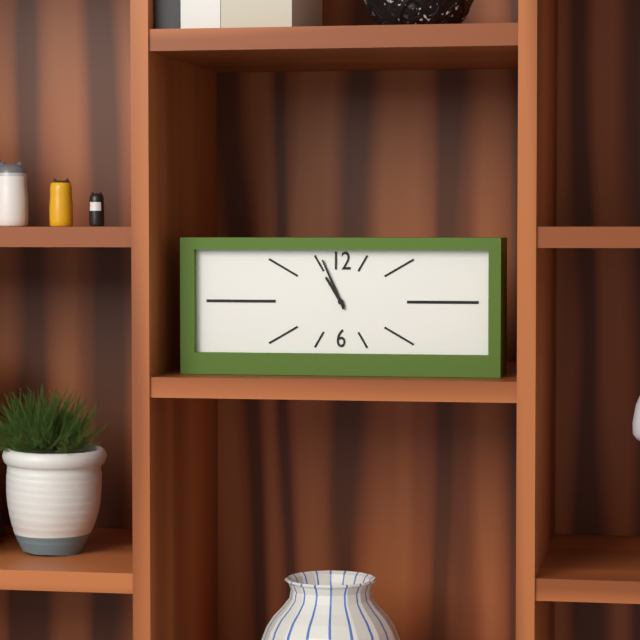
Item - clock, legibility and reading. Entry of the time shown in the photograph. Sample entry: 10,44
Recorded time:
10,56
